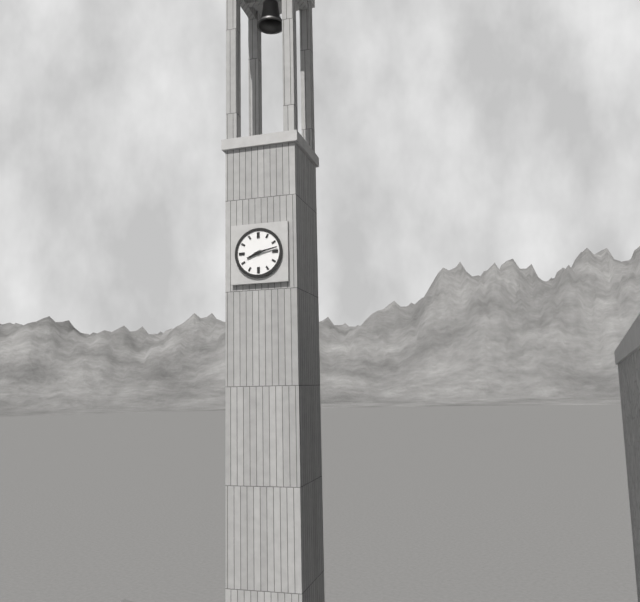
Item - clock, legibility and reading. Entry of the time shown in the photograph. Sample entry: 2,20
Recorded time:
8,13
